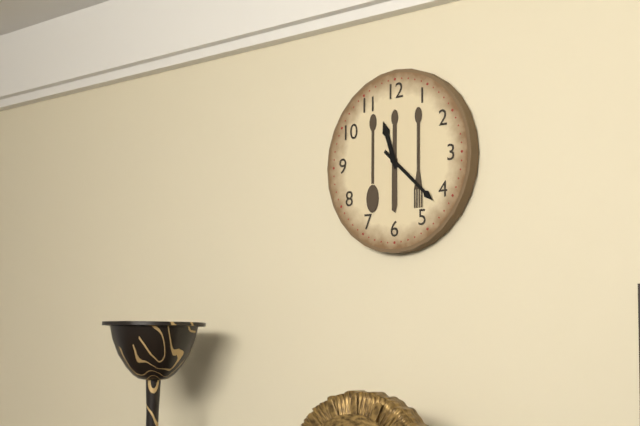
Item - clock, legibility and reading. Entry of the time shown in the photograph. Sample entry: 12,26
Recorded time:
11,22
